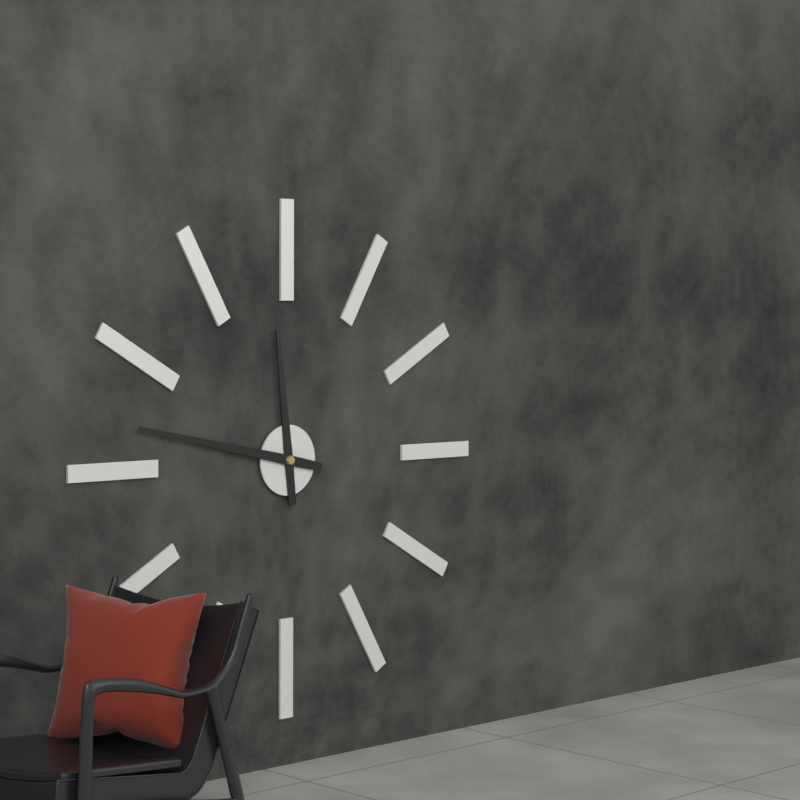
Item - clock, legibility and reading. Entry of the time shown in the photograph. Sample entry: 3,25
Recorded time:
11,47
